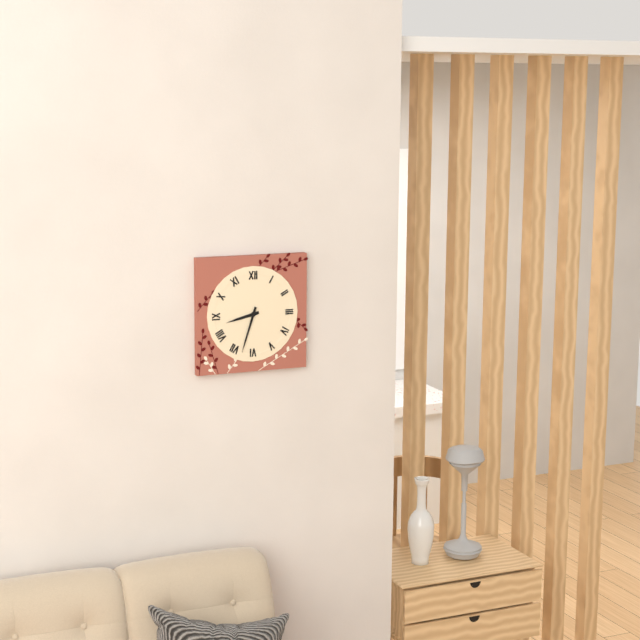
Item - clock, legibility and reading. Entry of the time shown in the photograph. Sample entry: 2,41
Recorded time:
8,33
